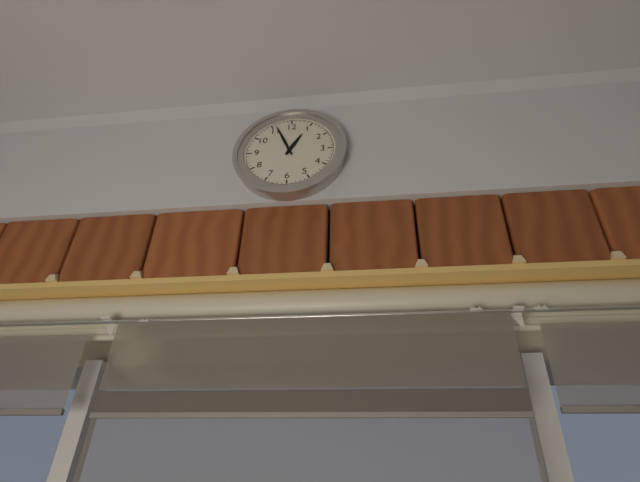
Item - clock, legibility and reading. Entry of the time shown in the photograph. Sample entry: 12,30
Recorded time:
12,56
